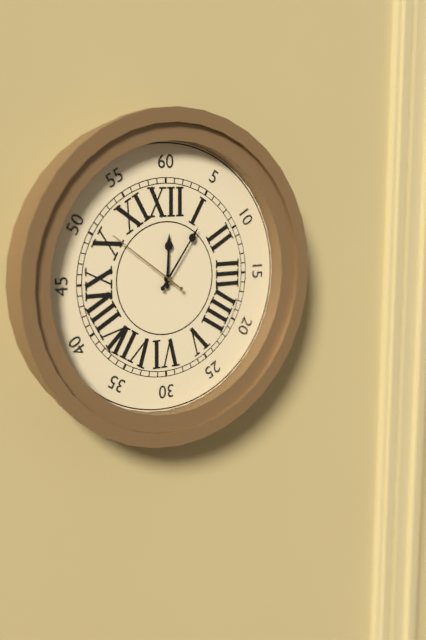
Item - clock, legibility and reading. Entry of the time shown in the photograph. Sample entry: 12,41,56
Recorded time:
12,06,51
